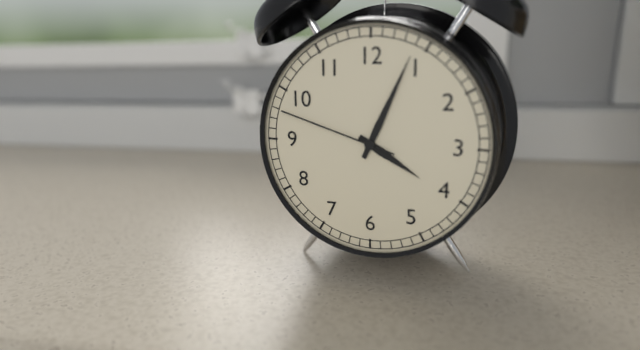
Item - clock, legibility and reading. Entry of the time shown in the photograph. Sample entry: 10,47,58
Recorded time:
4,04,48
